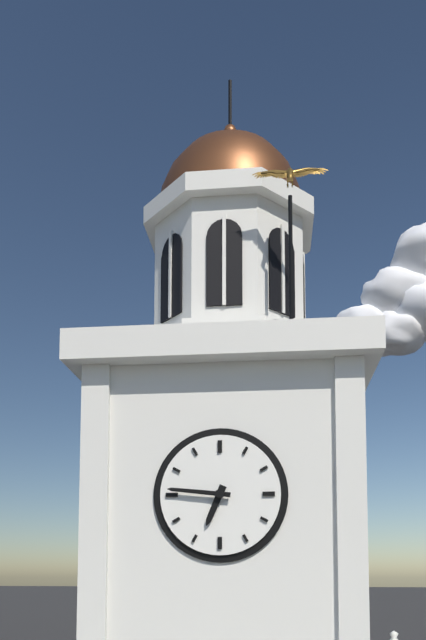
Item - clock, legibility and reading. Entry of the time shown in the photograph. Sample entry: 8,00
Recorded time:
6,46
